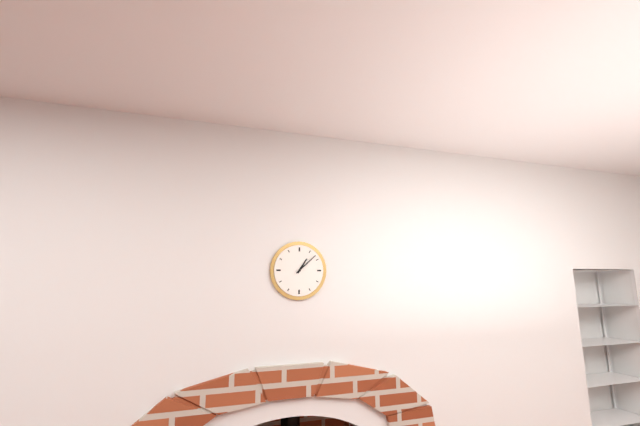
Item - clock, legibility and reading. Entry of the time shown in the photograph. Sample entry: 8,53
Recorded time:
1,08
